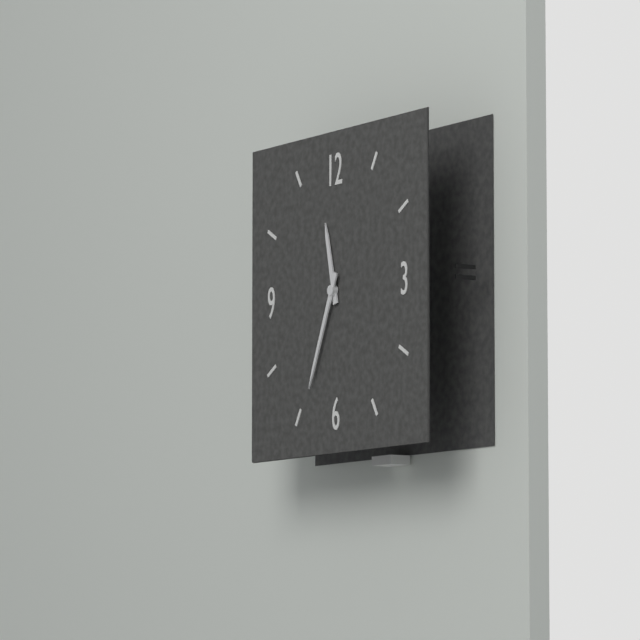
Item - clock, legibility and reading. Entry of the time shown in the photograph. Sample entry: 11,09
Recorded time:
11,34
